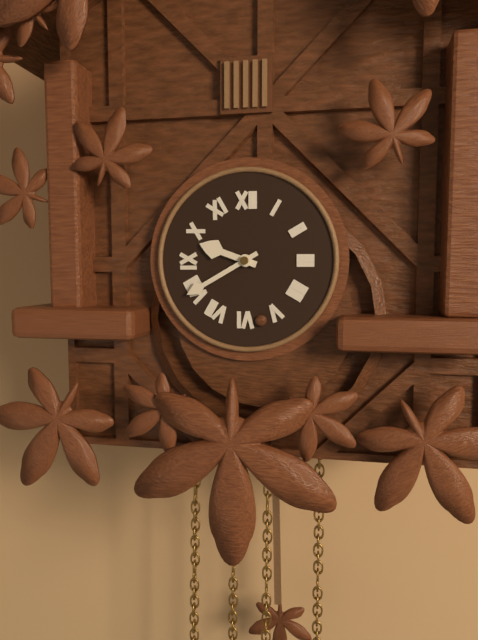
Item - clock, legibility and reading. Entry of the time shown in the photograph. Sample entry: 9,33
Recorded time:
9,40
